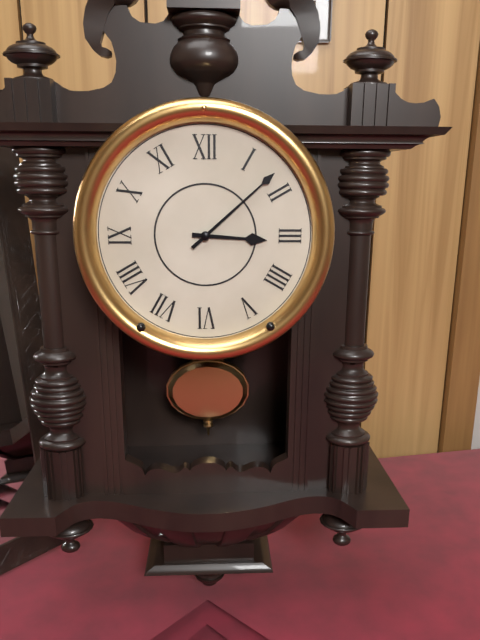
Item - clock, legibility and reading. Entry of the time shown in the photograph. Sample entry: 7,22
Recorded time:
3,08
